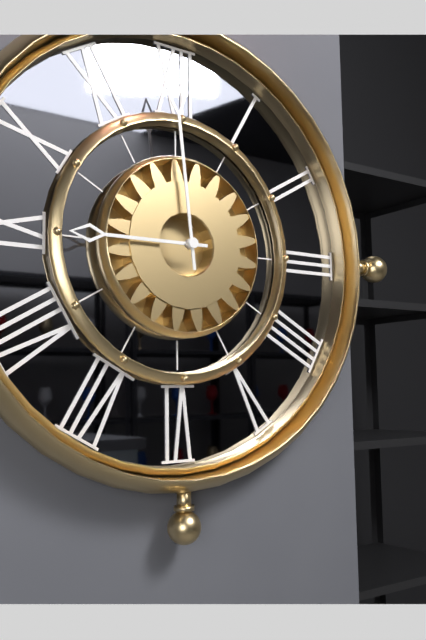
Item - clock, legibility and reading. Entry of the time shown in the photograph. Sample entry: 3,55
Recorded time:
8,59
